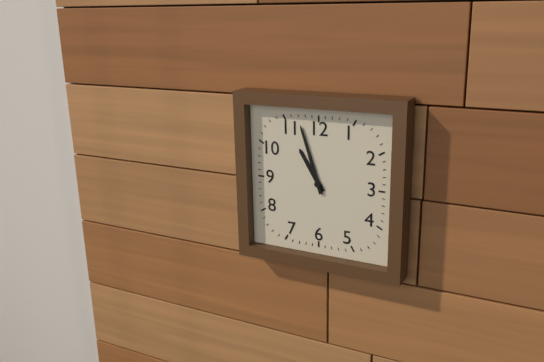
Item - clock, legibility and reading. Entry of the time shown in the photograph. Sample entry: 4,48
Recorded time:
10,57
